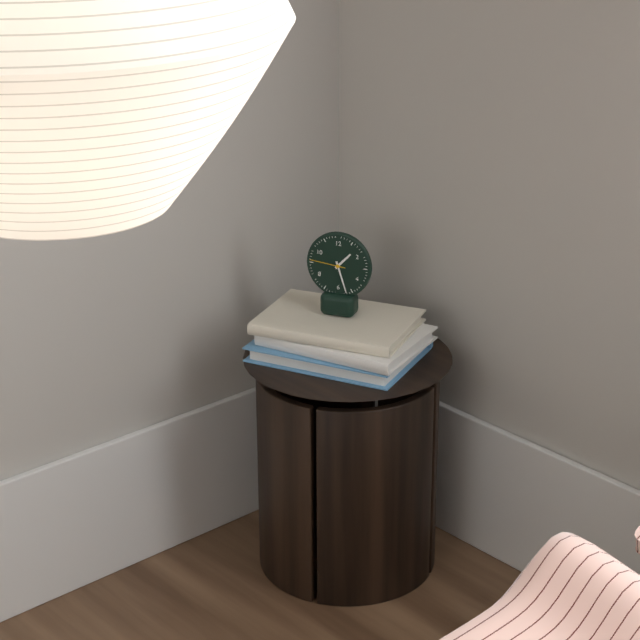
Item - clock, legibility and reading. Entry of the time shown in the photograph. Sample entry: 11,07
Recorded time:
1,27
